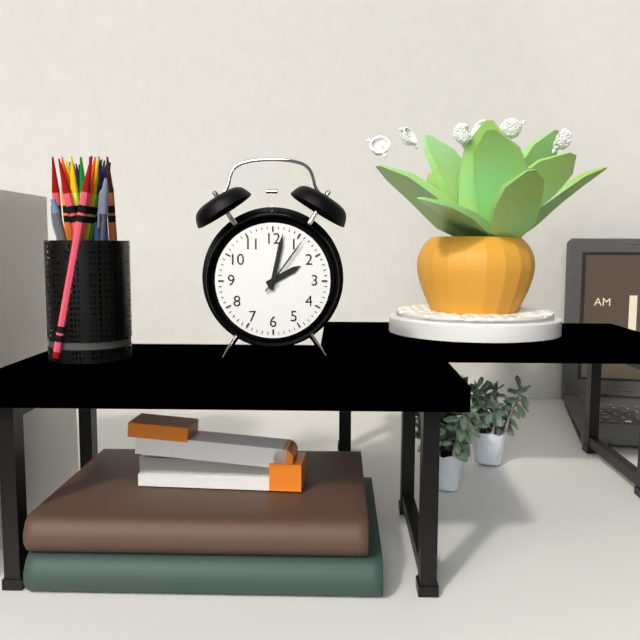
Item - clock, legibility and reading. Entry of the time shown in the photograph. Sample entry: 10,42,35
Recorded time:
2,02,06
